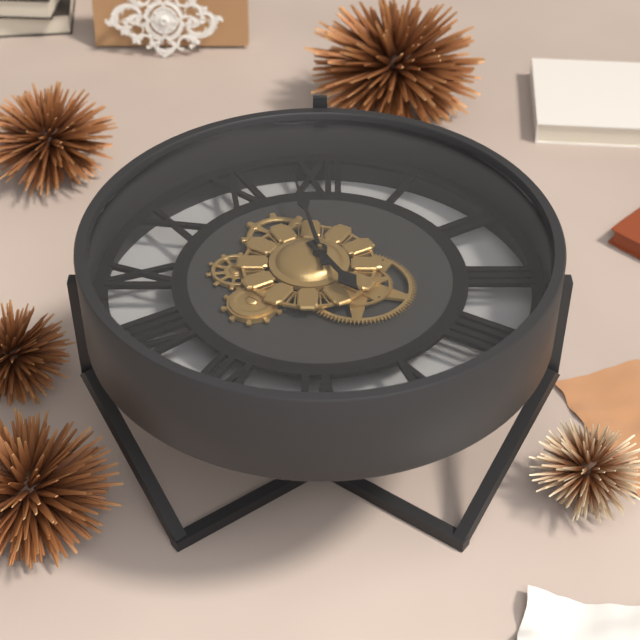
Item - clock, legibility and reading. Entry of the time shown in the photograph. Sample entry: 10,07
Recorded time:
4,58
